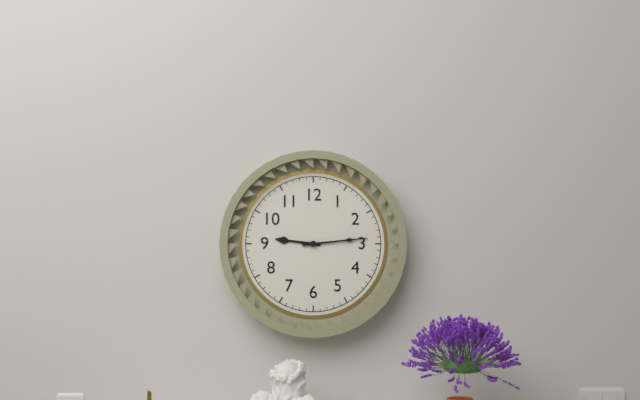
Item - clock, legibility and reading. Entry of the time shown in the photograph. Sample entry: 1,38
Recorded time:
9,14
